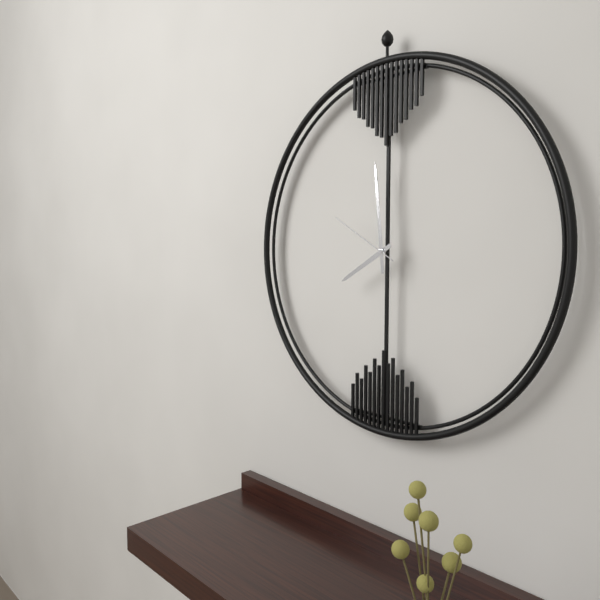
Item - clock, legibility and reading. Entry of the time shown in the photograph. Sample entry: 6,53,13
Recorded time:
7,59,50
